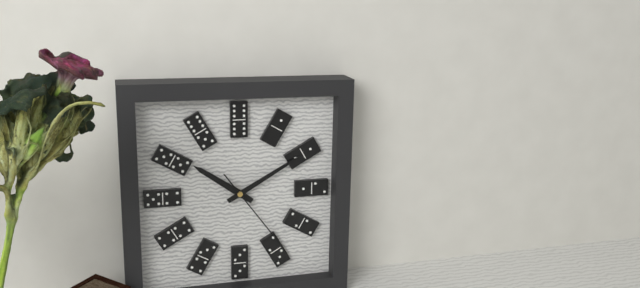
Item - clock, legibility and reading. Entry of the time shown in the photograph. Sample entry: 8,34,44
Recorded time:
10,10,24
